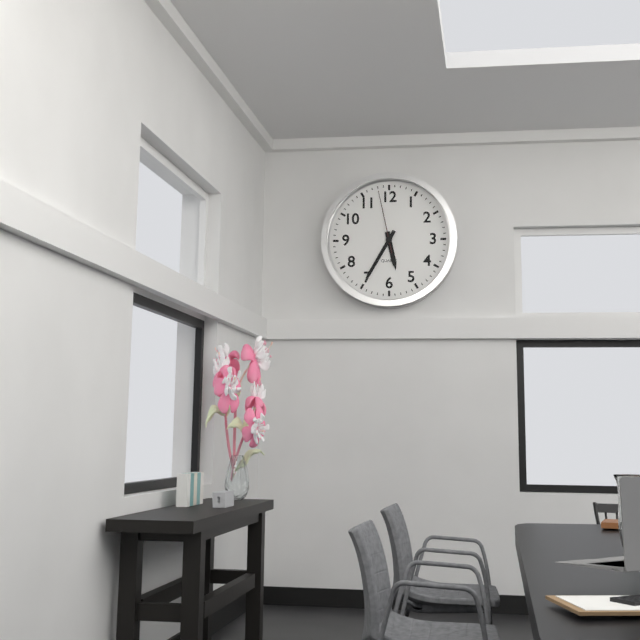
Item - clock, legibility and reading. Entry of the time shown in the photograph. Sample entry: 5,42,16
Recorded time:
5,35,58
